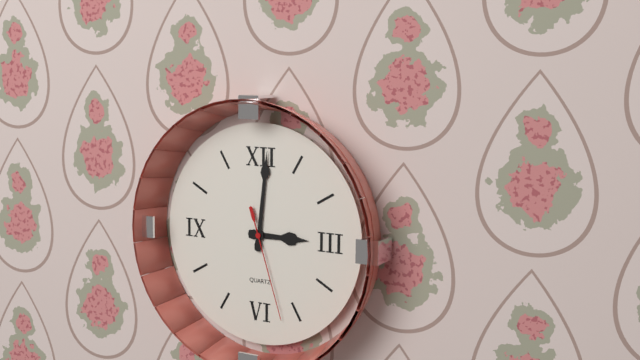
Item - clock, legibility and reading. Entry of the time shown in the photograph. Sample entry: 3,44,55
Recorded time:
3,01,27
